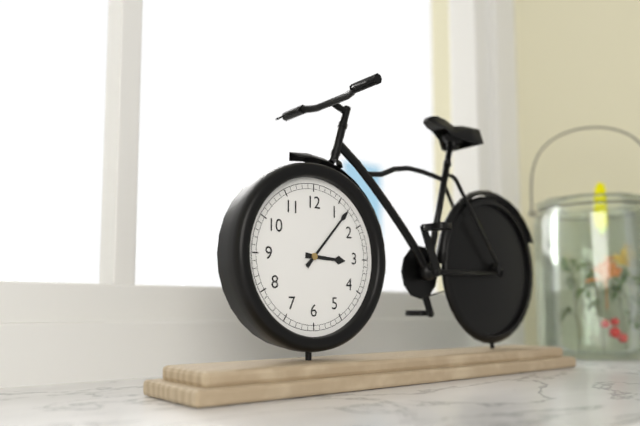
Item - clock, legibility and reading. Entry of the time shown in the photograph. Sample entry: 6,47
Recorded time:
3,07
